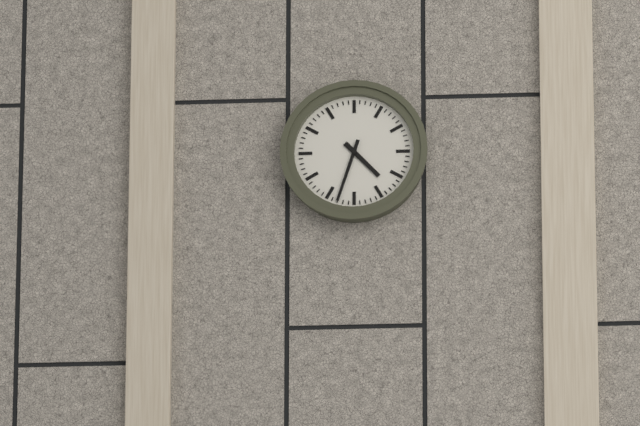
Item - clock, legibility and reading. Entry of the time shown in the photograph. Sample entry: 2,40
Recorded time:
4,33
